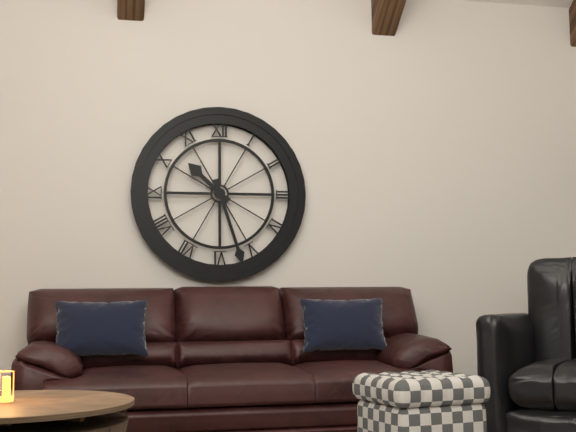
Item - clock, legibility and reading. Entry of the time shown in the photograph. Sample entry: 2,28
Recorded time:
10,27
